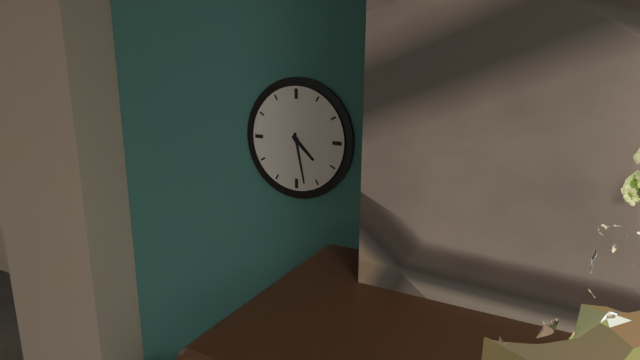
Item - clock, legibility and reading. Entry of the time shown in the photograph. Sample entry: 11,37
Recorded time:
4,28
